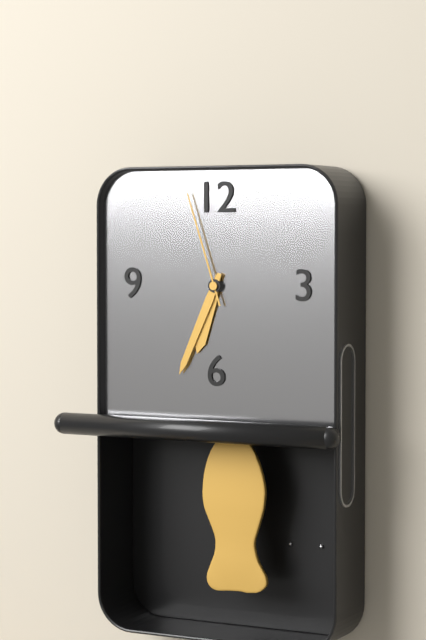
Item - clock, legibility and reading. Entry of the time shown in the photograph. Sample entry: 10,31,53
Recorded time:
6,34,57
